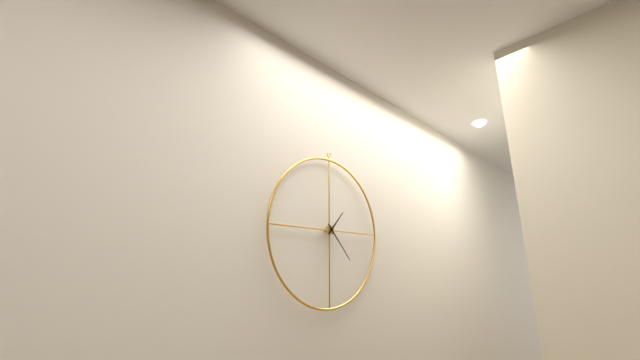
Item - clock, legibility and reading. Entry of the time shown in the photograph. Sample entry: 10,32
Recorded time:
1,23
